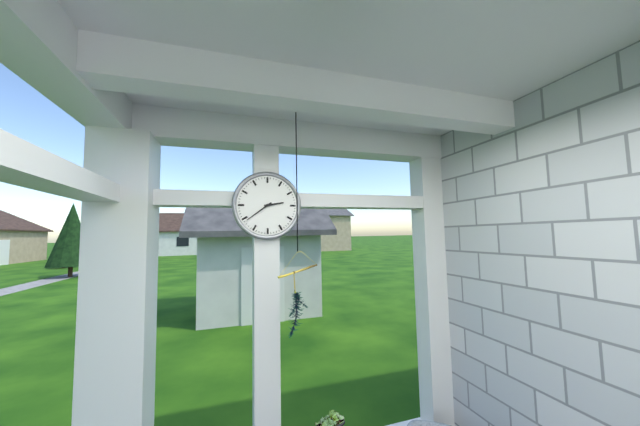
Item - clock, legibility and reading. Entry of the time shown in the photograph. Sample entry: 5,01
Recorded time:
2,39
